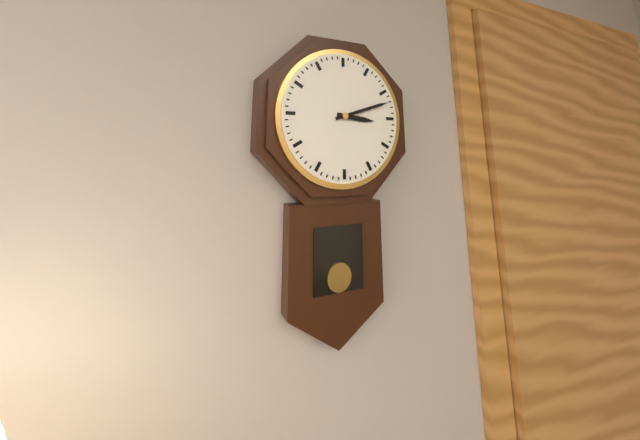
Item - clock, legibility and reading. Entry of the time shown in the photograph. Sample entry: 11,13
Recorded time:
3,12
